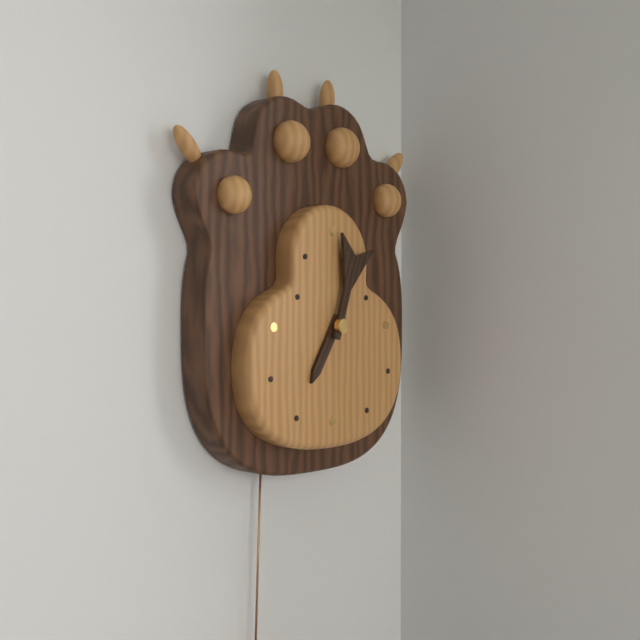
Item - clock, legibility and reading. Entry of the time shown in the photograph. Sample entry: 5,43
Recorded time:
7,03
